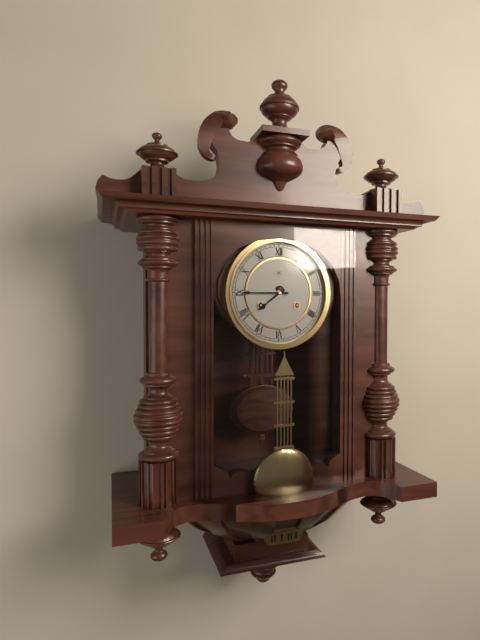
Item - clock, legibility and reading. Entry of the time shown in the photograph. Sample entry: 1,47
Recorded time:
7,45
